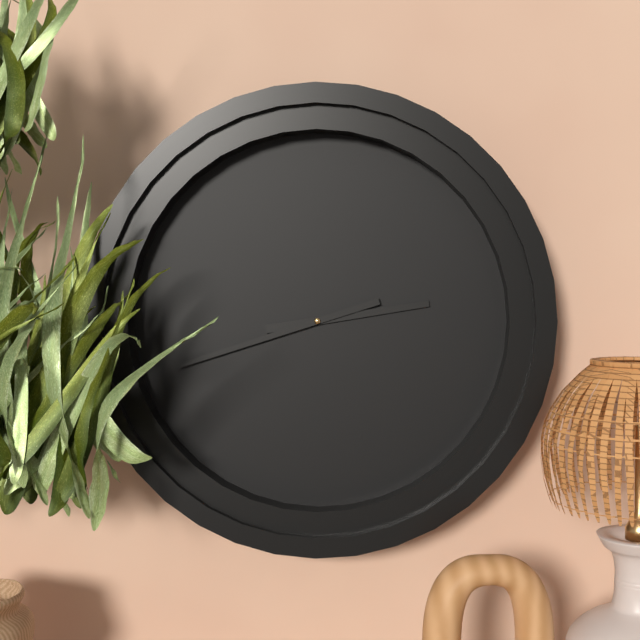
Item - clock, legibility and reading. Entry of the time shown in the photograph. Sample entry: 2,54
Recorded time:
2,42
